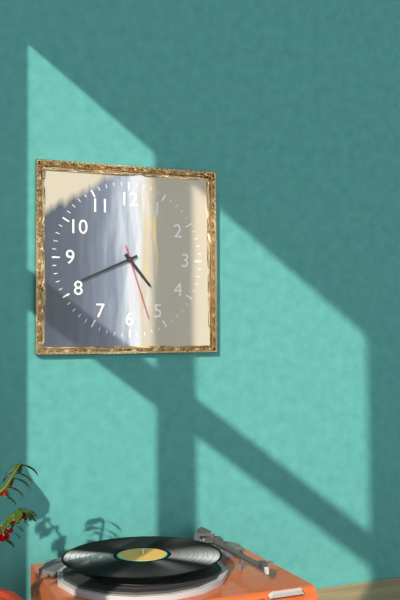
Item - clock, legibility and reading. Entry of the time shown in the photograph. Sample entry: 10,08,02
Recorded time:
4,41,27
